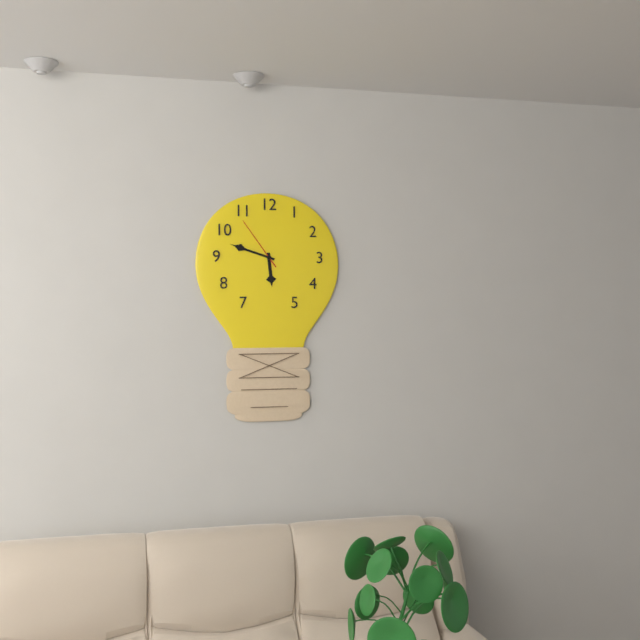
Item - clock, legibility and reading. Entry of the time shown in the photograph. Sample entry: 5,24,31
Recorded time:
5,48,54
